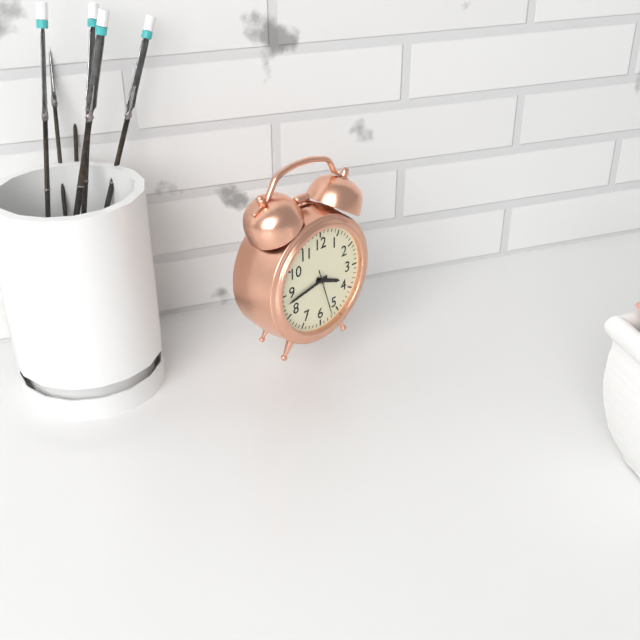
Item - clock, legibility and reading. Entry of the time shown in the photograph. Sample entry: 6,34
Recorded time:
3,43
